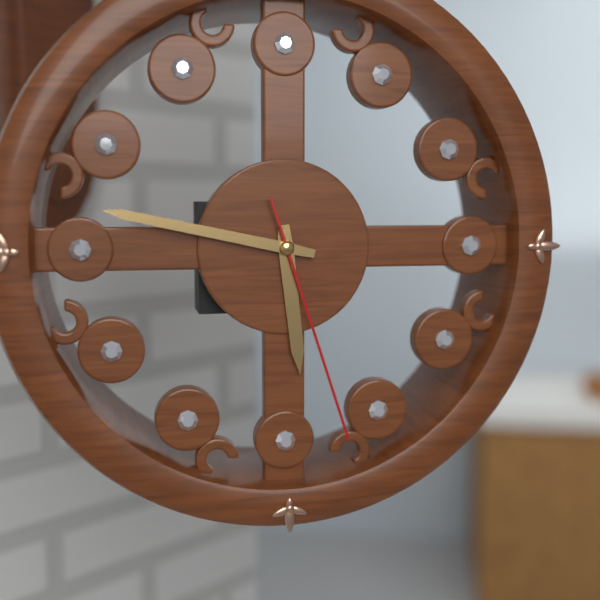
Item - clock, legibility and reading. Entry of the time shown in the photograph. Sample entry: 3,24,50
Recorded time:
5,47,27
